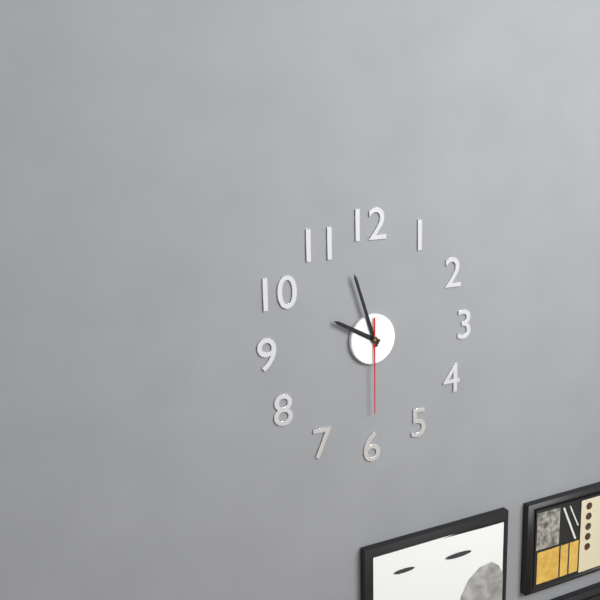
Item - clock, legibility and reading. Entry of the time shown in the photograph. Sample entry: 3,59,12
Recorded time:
9,57,30
